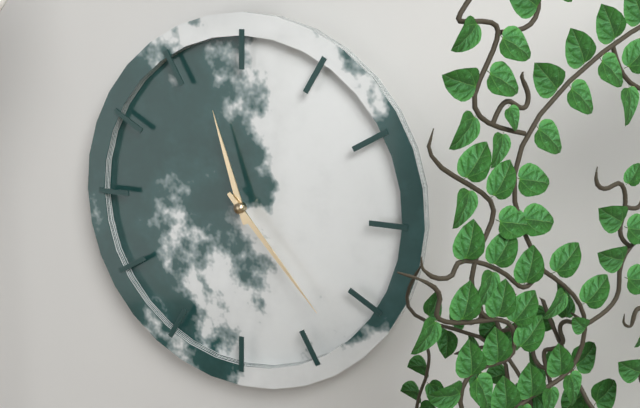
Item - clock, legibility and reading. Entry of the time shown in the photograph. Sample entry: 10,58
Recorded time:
11,23
